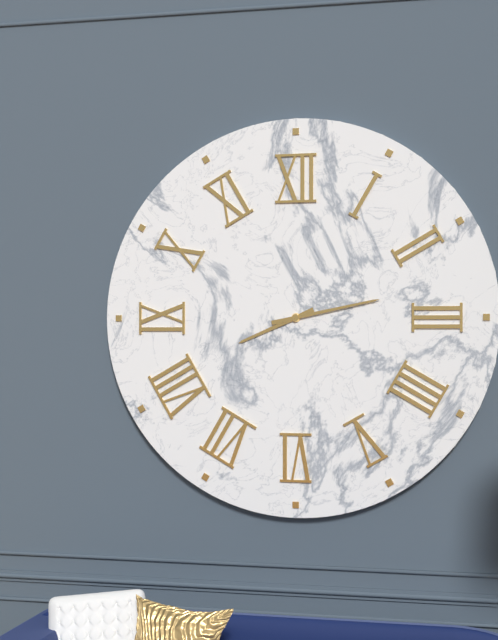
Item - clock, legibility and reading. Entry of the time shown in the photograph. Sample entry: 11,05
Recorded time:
8,13
